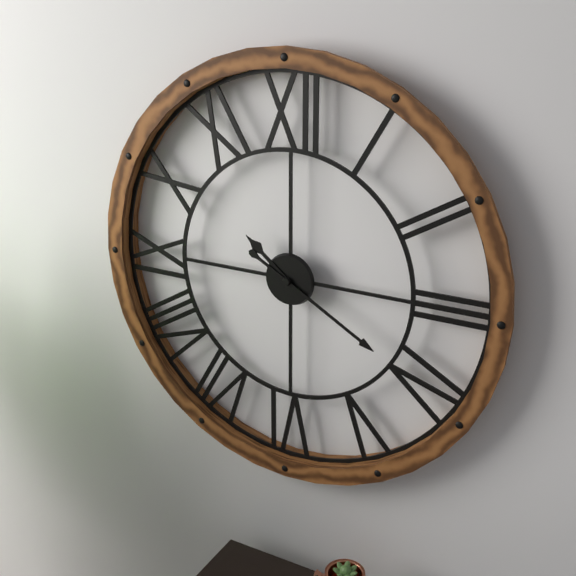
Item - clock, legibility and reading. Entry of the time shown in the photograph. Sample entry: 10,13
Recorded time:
10,20
